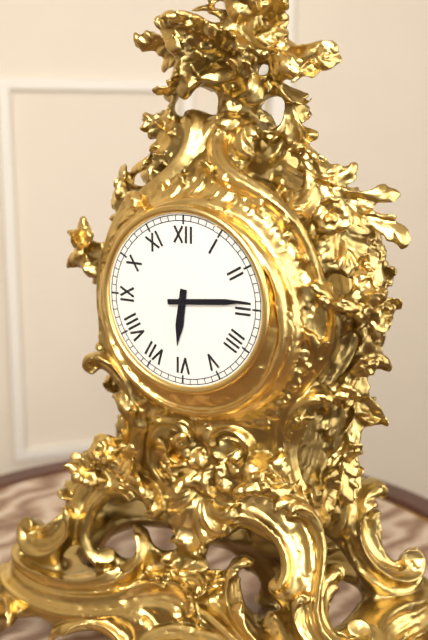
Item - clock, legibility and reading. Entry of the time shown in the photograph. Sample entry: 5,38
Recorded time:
6,14
